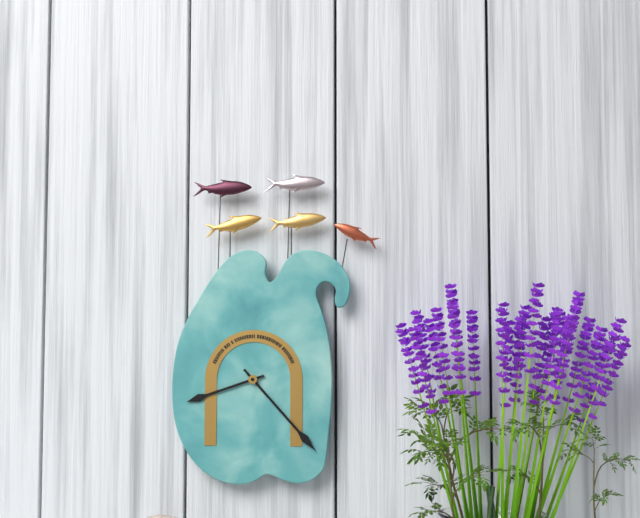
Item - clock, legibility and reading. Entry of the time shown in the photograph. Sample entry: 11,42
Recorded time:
8,23
